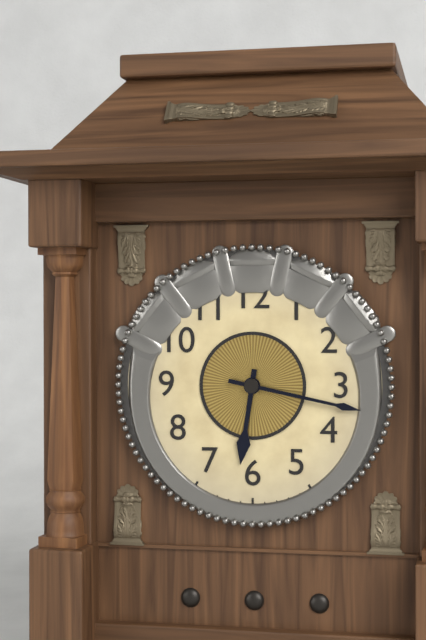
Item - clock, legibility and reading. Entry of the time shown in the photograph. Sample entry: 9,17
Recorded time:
6,17
